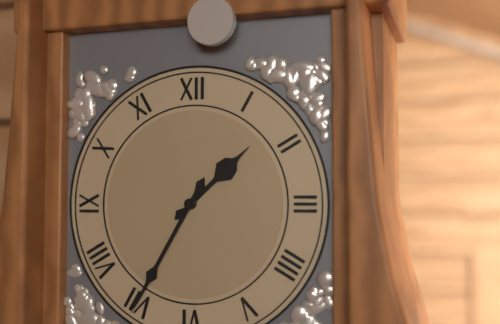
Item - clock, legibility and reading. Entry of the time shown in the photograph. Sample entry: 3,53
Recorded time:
1,35
